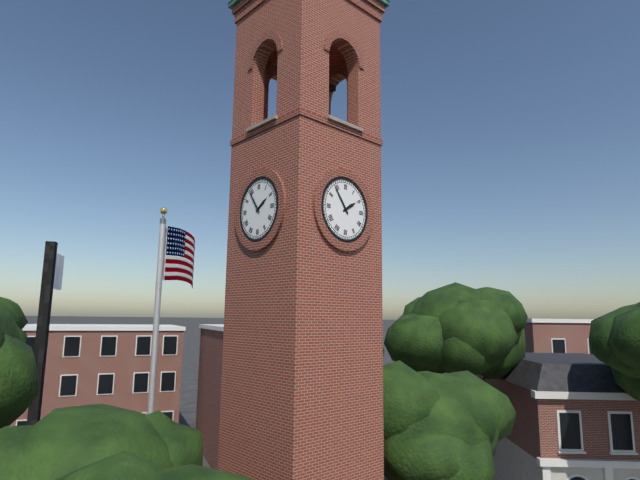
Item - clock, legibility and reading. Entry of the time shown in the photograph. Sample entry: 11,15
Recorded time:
1,54
